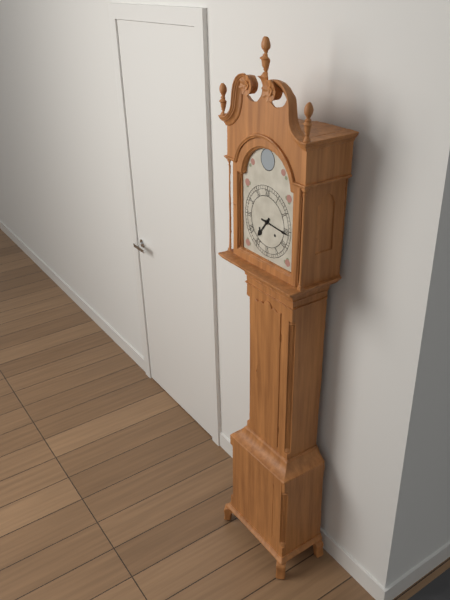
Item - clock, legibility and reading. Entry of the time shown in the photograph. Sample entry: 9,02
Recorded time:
7,16
